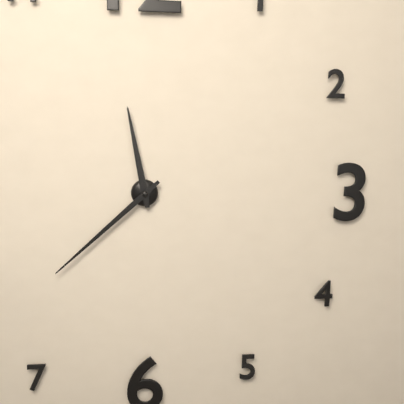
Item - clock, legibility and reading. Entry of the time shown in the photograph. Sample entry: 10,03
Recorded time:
11,38
